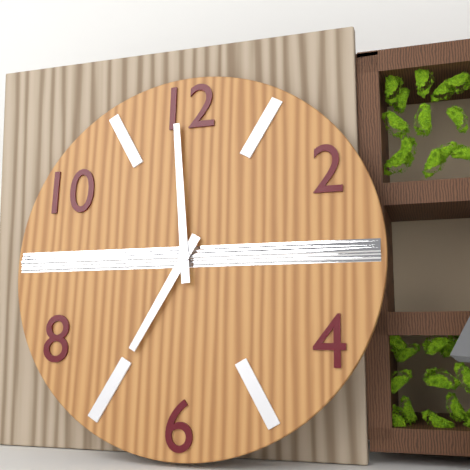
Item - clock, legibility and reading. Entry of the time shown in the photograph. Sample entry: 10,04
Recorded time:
6,59
